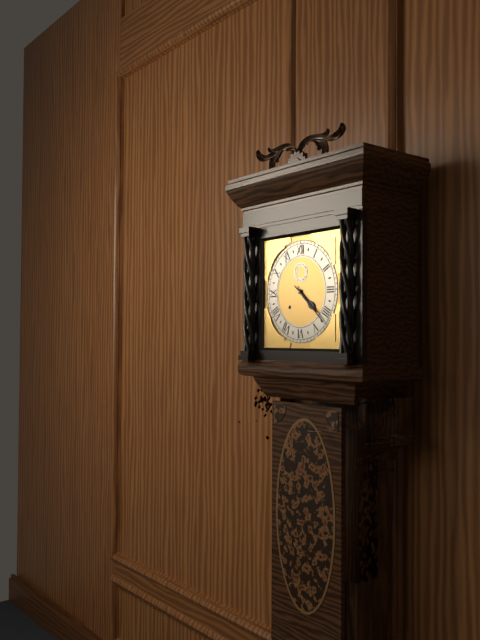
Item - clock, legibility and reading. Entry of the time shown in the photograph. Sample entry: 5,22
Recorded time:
4,22
